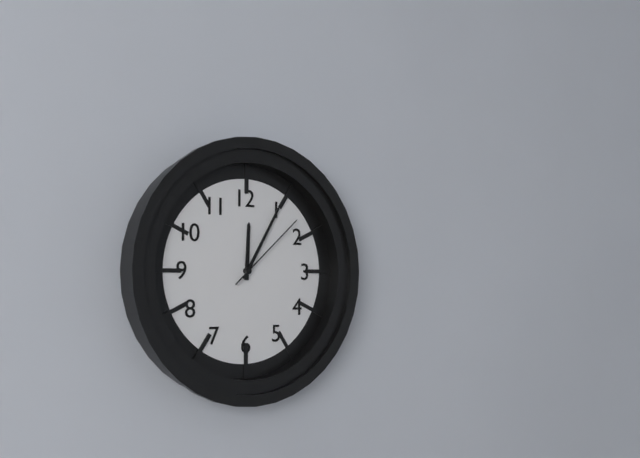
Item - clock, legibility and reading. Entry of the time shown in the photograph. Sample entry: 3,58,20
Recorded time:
12,05,08
